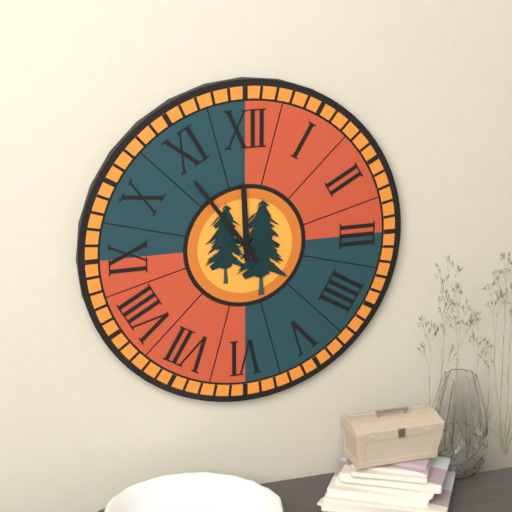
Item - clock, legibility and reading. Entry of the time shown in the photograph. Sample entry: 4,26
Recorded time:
11,54
